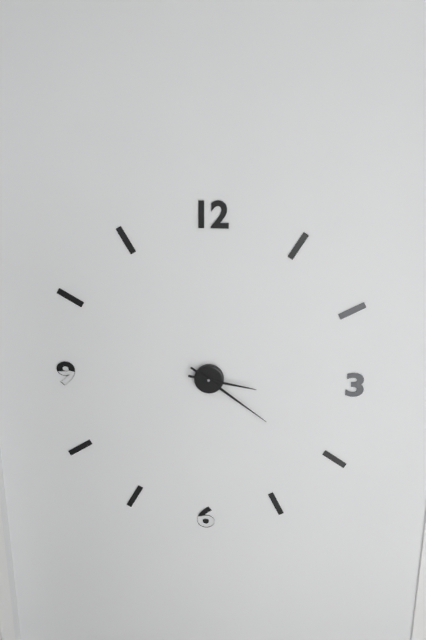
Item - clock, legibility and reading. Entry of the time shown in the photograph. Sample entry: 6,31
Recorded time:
3,21
